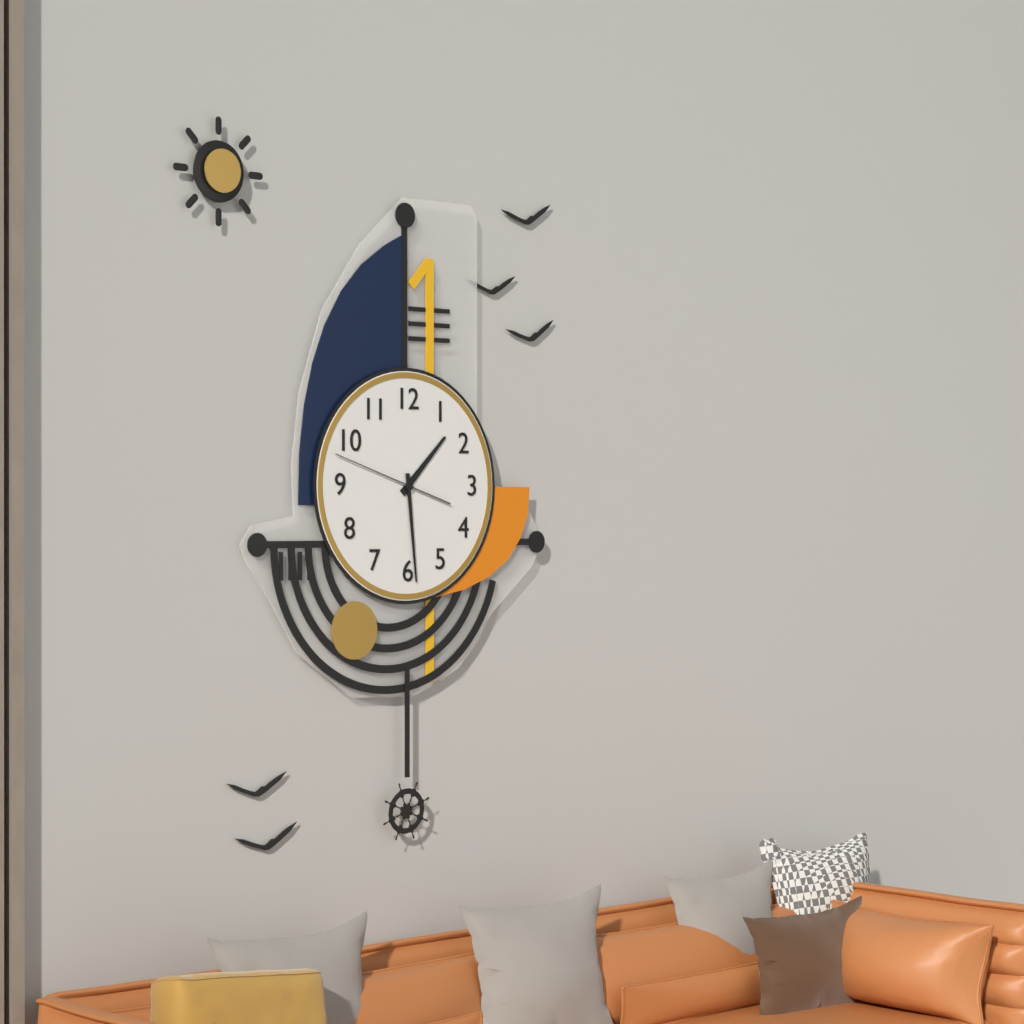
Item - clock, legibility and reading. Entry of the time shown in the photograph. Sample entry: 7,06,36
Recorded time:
1,29,48
